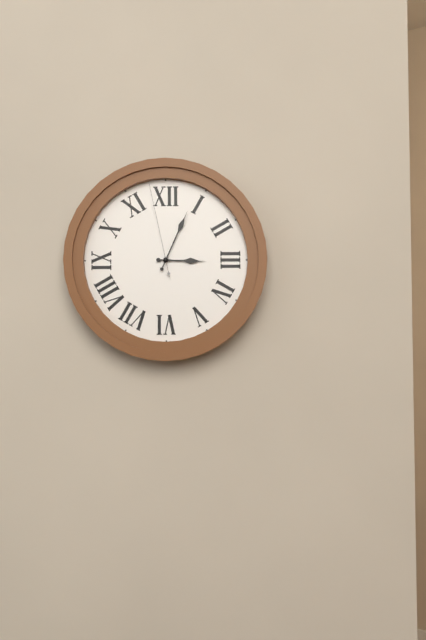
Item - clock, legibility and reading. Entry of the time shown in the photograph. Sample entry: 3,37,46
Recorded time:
3,04,58
